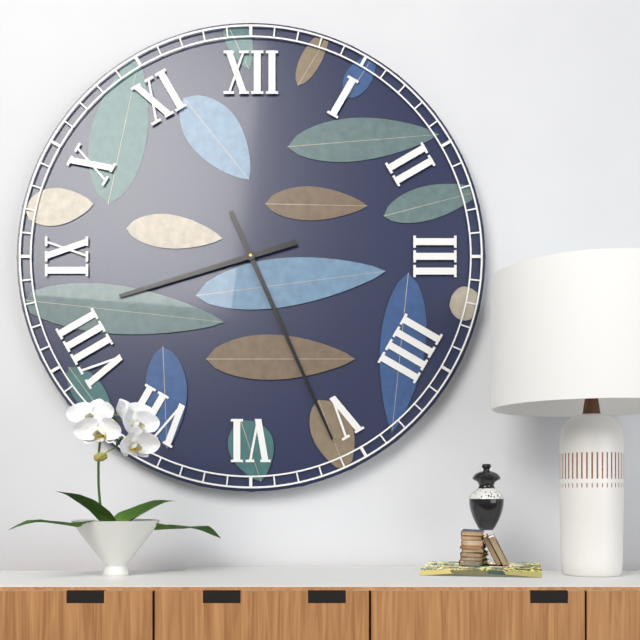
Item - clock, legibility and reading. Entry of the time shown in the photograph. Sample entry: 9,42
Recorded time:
8,26
